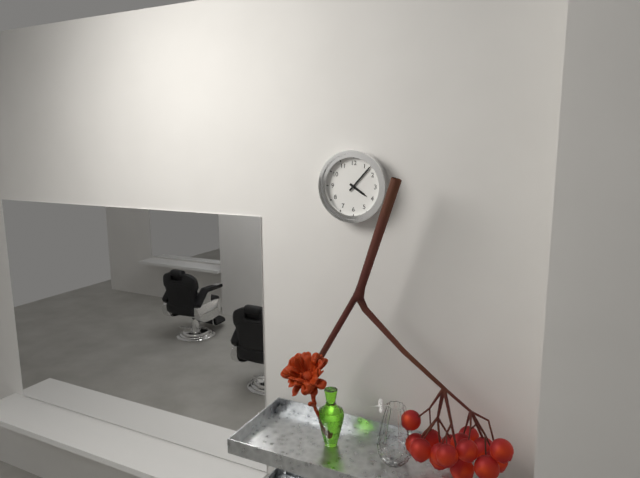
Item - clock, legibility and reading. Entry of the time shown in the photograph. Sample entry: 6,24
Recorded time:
4,07
